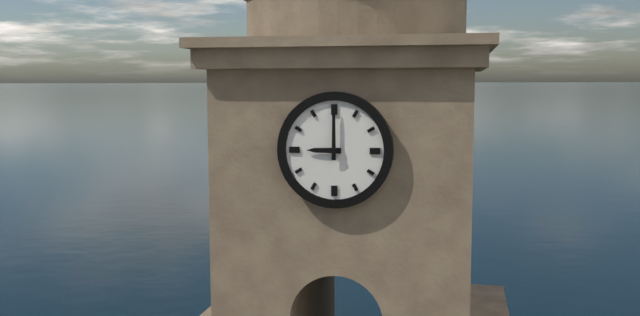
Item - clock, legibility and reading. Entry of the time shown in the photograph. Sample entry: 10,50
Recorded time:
9,00
